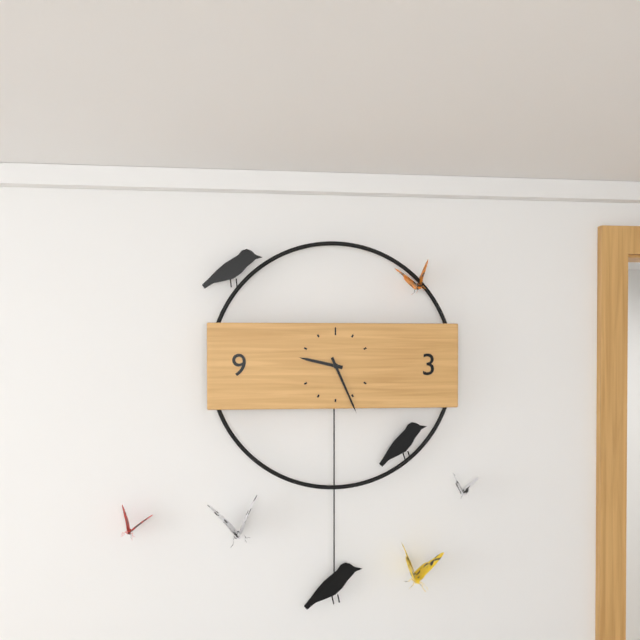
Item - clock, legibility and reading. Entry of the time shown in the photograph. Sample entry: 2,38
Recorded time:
9,26
